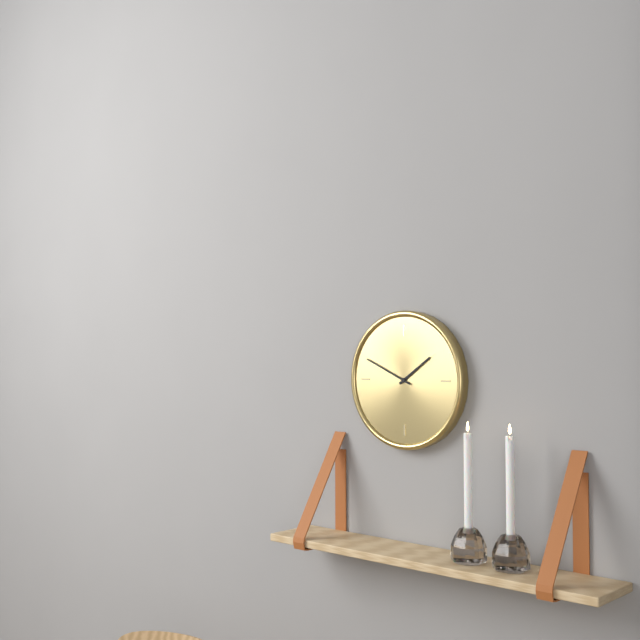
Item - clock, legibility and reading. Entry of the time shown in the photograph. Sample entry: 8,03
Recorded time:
1,49
